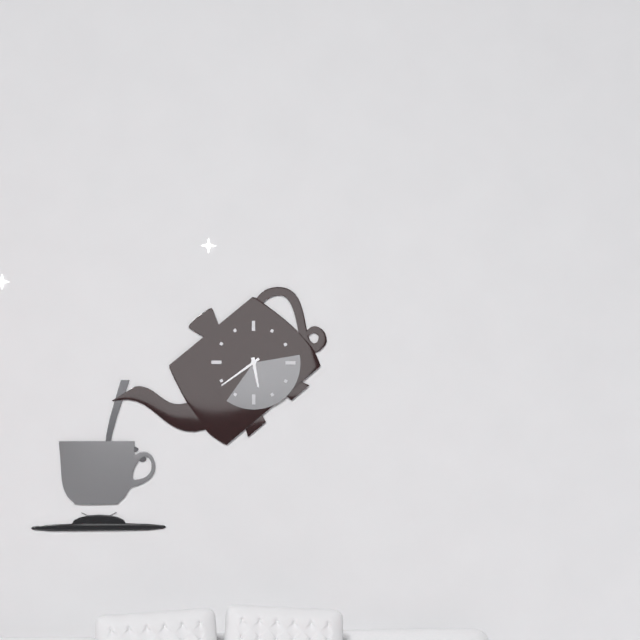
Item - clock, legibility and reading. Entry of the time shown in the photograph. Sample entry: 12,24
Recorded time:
5,39
